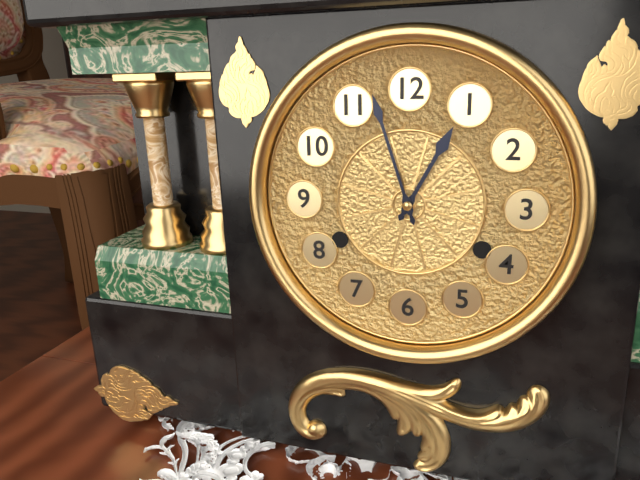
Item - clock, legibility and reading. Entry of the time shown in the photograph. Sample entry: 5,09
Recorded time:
12,57
